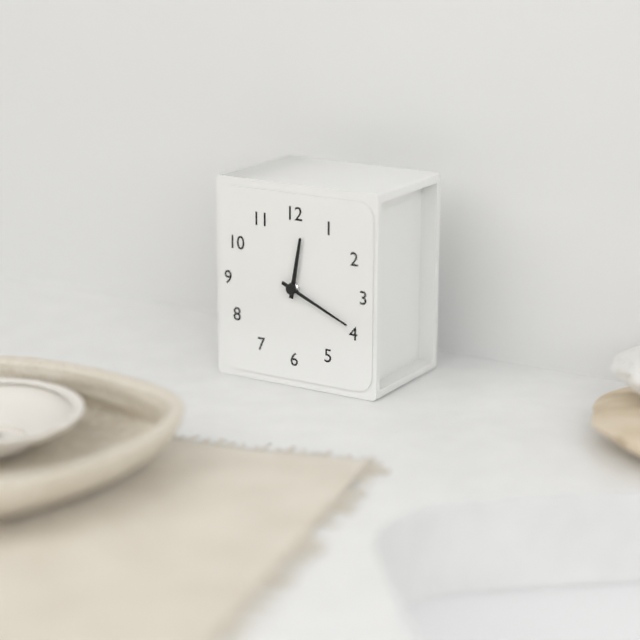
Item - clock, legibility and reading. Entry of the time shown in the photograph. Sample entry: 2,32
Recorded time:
12,19
